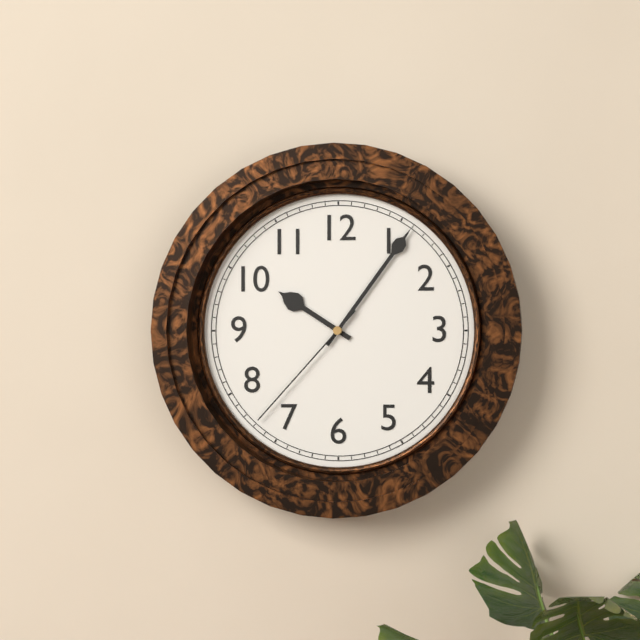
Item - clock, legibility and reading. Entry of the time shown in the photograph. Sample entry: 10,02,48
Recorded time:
10,06,37
